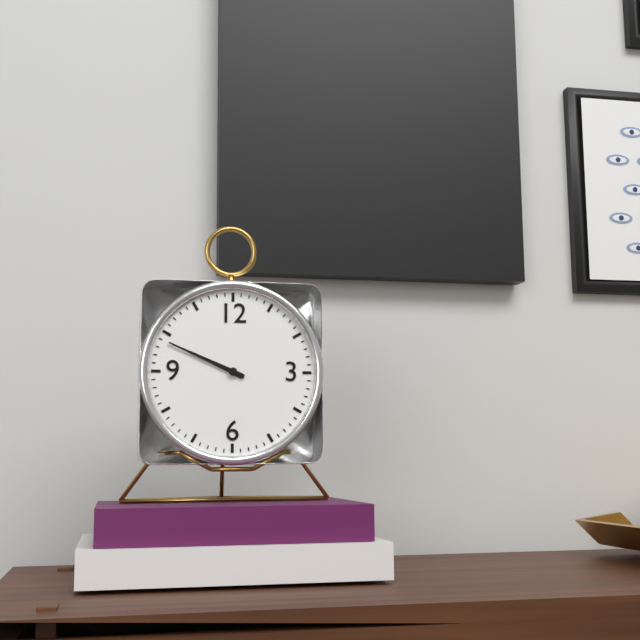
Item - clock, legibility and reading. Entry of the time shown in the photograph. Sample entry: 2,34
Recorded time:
9,49
